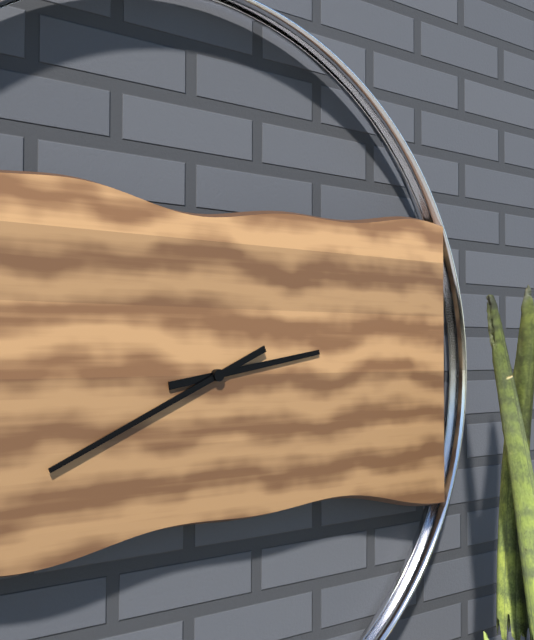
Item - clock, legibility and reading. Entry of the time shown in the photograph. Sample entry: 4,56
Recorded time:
2,41
